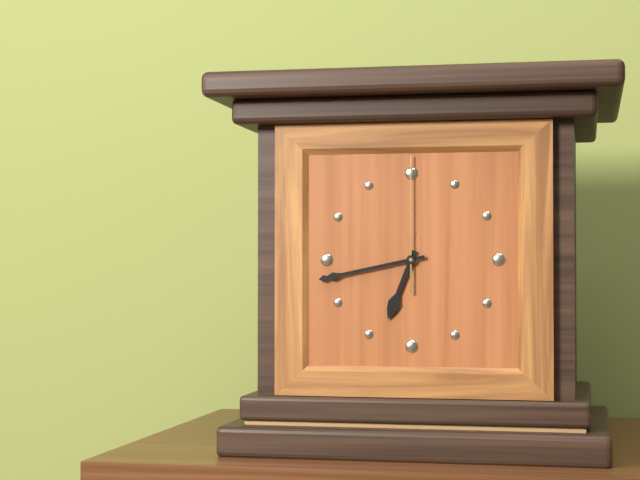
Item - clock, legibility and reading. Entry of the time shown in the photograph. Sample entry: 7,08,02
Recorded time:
6,43,00
